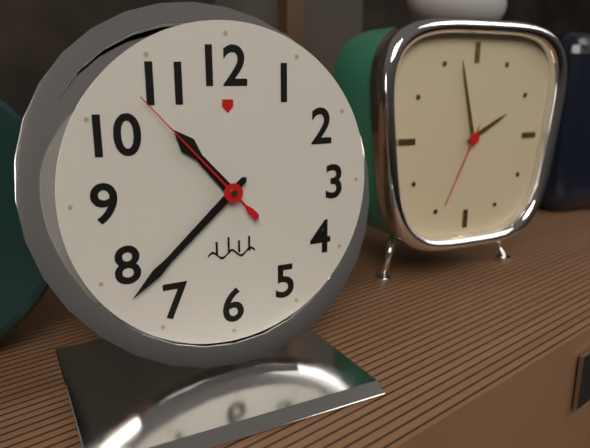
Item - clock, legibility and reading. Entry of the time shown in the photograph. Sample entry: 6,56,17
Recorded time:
10,38,53
